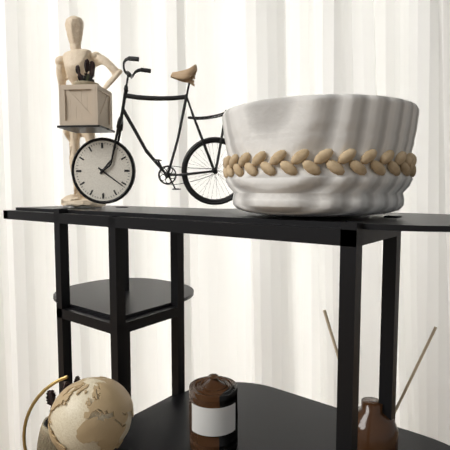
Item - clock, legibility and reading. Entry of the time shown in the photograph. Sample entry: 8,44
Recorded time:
1,21
